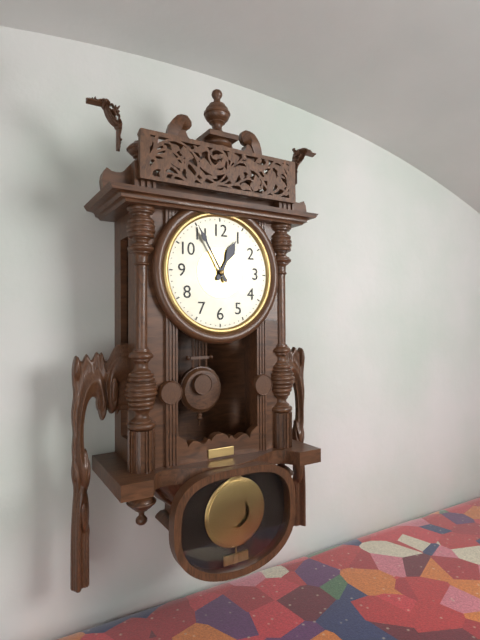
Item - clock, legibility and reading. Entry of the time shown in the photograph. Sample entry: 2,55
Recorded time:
12,55
